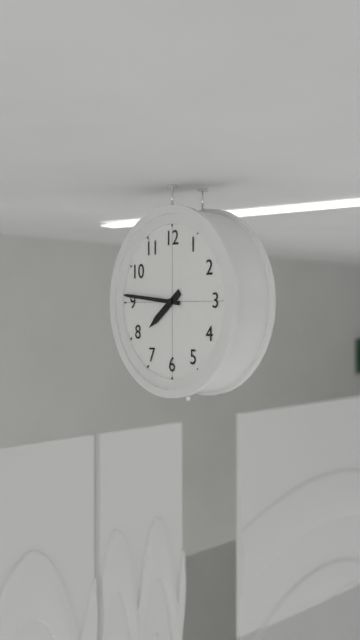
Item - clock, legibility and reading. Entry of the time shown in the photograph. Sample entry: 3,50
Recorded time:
7,46
